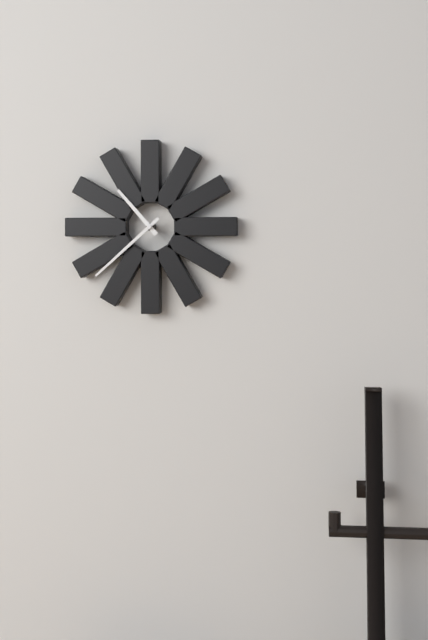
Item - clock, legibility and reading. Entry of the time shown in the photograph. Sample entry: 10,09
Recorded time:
10,38
